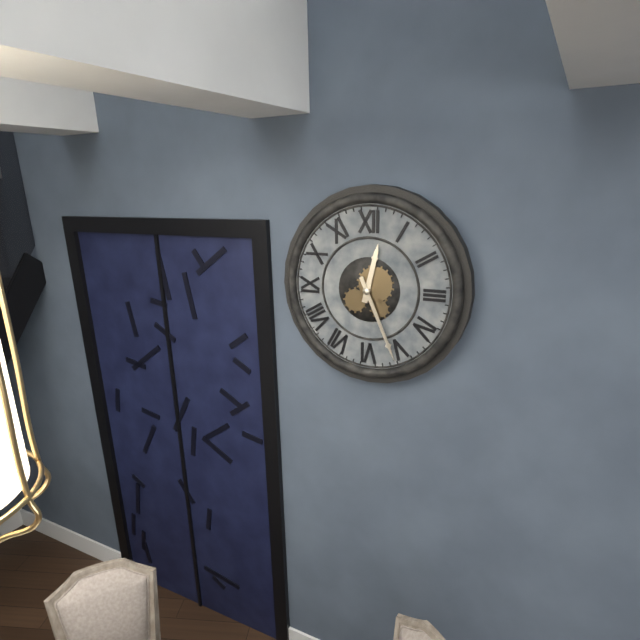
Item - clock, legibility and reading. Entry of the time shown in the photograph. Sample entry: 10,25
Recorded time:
12,26
